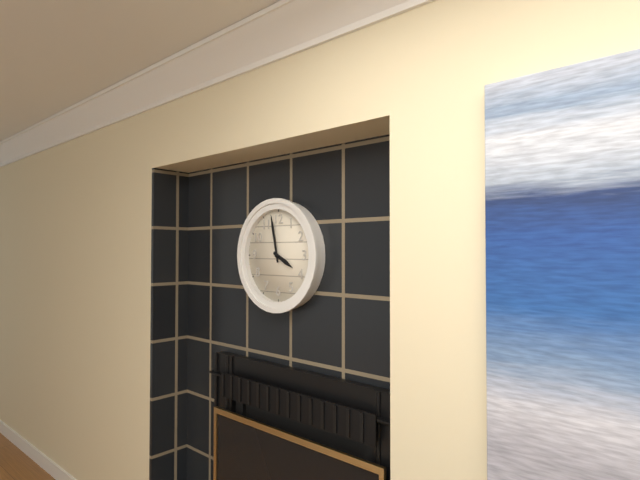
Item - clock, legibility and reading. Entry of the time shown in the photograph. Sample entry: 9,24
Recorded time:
3,58
